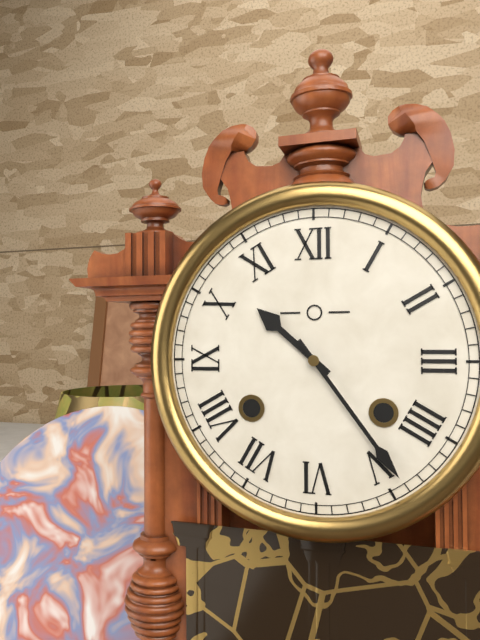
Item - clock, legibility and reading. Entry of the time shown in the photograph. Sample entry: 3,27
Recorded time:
10,24
